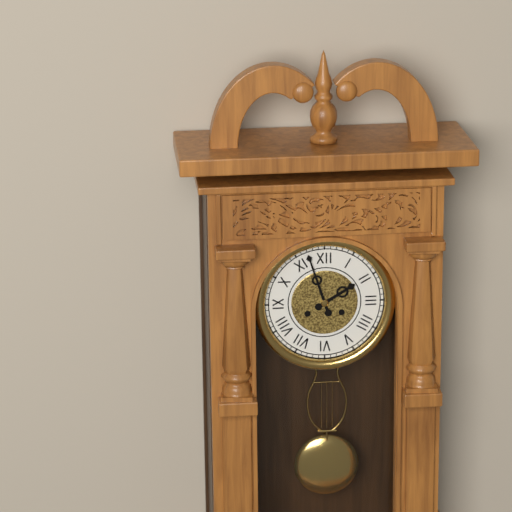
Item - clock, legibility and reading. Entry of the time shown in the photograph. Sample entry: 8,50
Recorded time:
1,57
